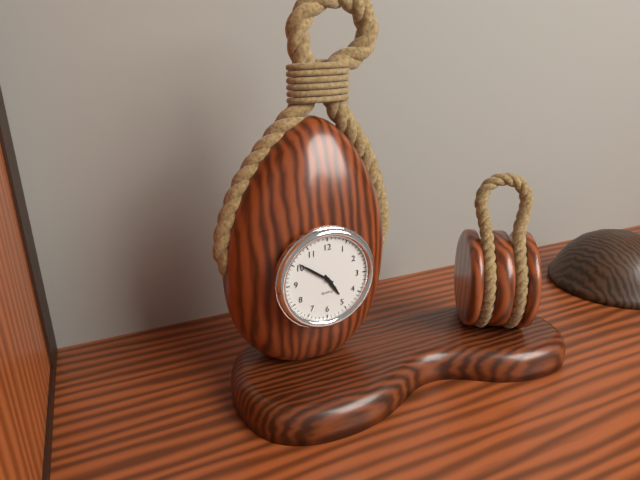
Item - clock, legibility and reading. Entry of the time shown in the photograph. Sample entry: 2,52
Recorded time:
4,51
